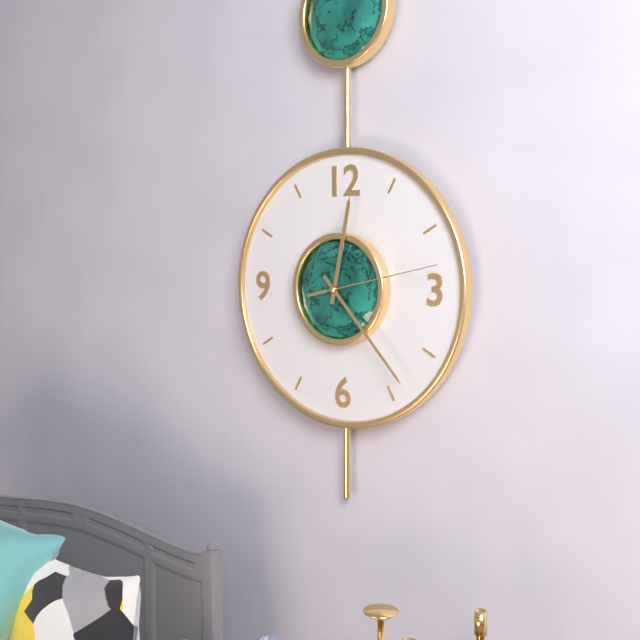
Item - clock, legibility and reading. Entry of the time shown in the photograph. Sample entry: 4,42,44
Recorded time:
12,23,13
